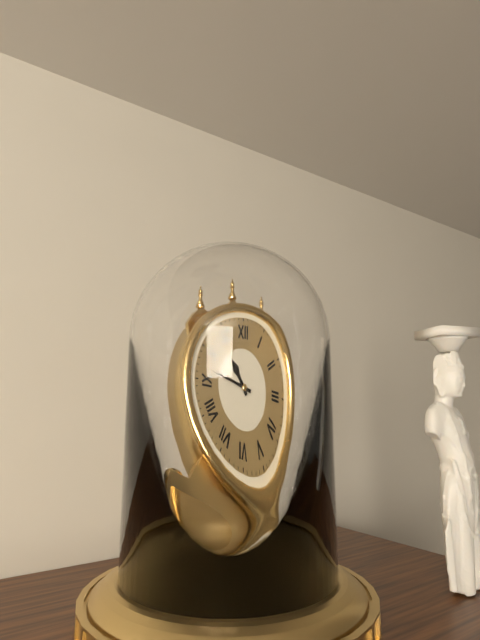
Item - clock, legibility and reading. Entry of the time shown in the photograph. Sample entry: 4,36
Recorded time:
10,47
